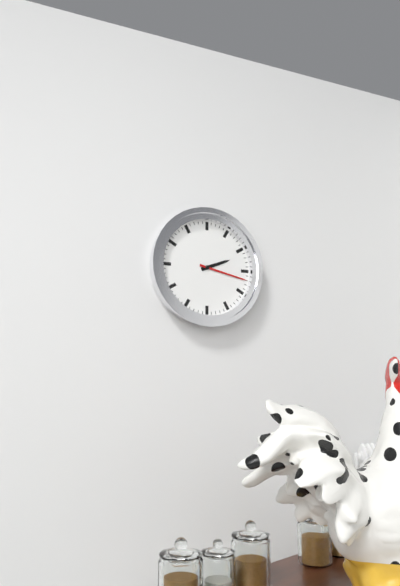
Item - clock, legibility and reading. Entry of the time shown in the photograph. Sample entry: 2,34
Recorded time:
2,17
